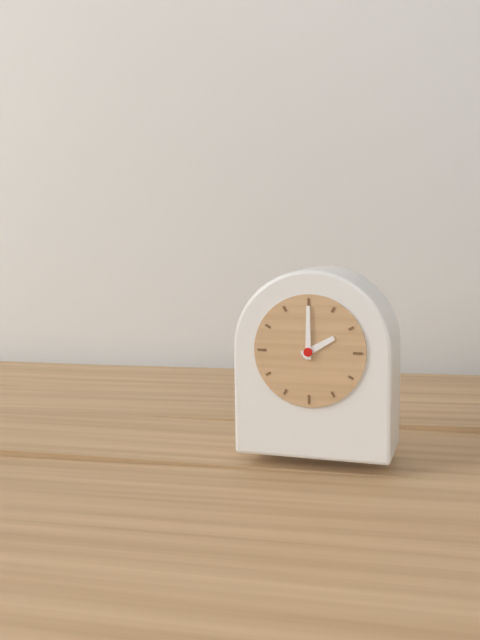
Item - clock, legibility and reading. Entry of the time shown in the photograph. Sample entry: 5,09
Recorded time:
2,00
